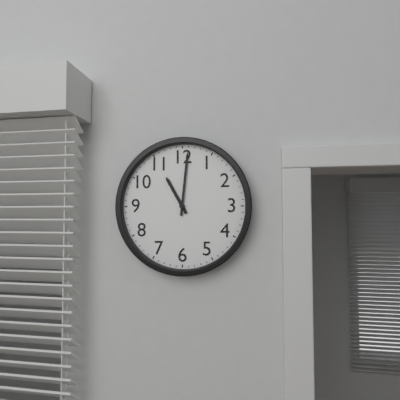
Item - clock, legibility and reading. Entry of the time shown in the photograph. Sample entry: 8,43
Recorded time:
11,01
